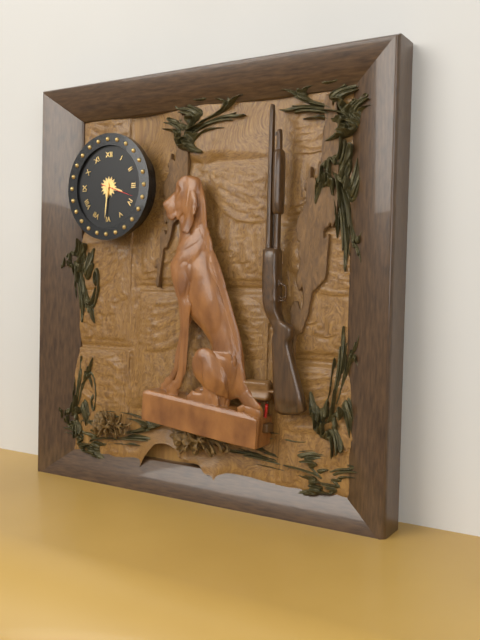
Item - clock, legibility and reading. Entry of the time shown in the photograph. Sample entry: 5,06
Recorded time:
3,31
